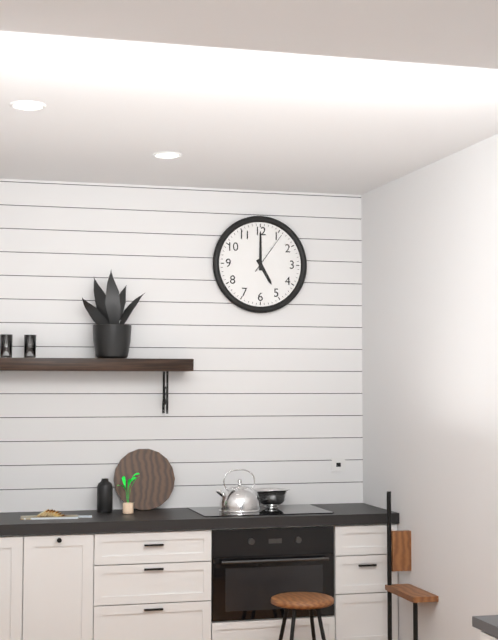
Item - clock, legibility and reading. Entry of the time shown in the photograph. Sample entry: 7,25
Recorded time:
5,00
